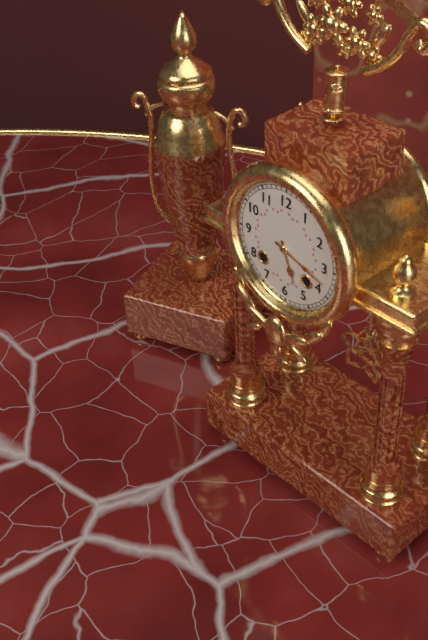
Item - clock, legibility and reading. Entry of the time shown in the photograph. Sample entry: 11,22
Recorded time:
5,18
